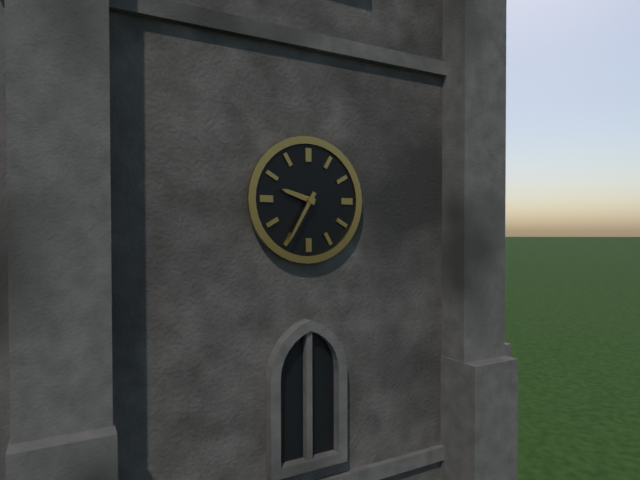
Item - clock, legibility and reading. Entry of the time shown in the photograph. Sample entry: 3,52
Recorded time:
9,35
